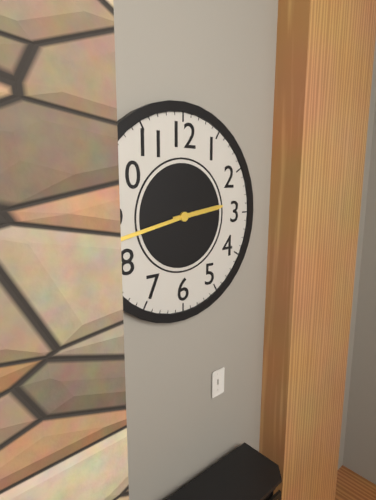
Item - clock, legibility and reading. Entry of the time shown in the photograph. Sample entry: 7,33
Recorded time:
2,43
